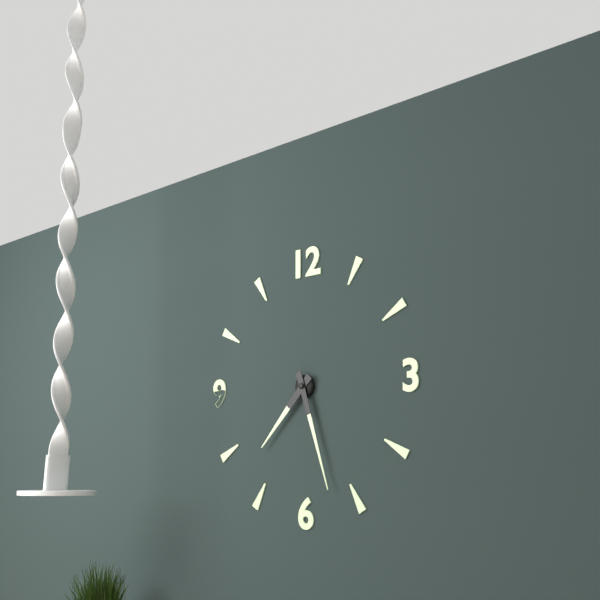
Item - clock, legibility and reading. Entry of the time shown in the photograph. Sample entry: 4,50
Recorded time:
7,27
